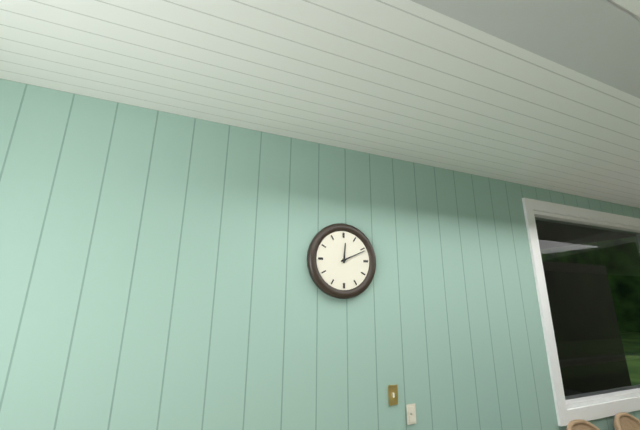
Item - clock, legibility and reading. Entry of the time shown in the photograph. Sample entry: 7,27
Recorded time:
12,11
